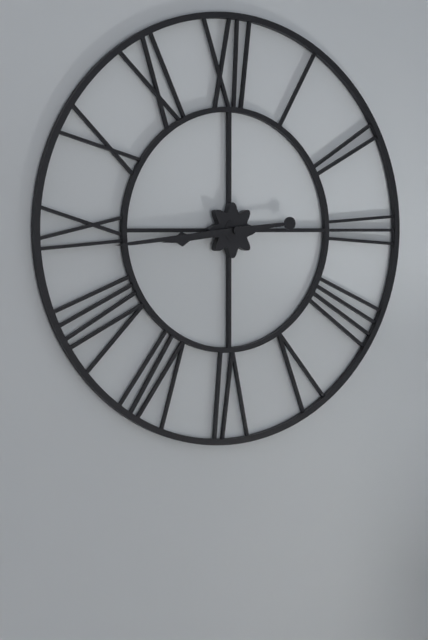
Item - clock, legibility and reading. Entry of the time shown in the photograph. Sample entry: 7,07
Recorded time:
8,44
